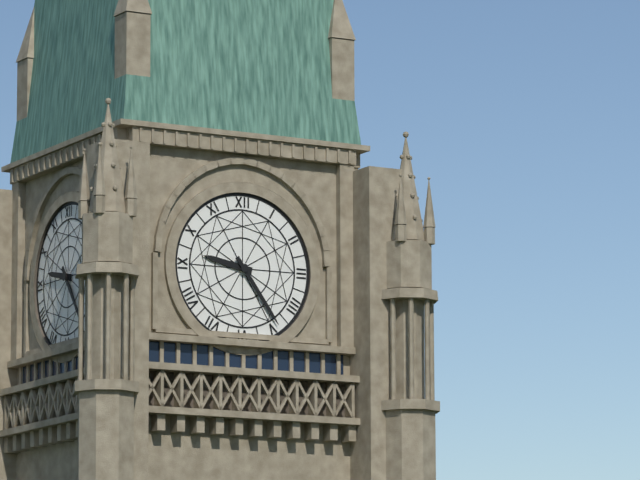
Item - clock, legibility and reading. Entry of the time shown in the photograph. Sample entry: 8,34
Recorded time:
9,24
